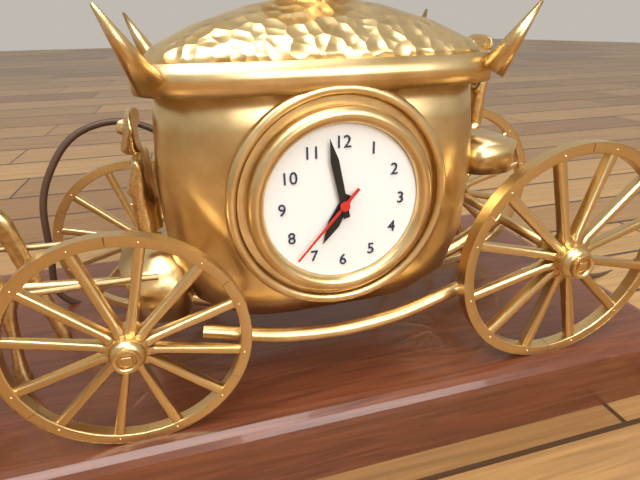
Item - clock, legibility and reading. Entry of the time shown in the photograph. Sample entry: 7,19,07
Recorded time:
6,58,37
